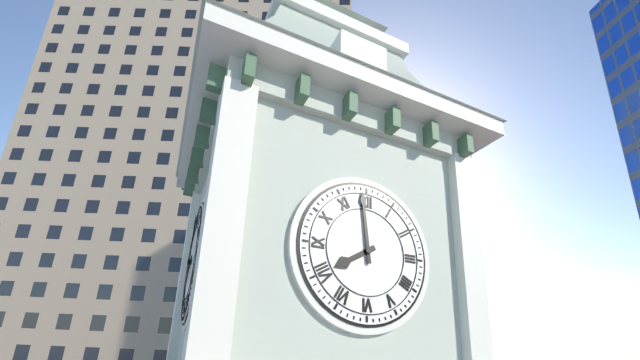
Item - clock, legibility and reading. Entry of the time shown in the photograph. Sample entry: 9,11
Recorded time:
7,59
